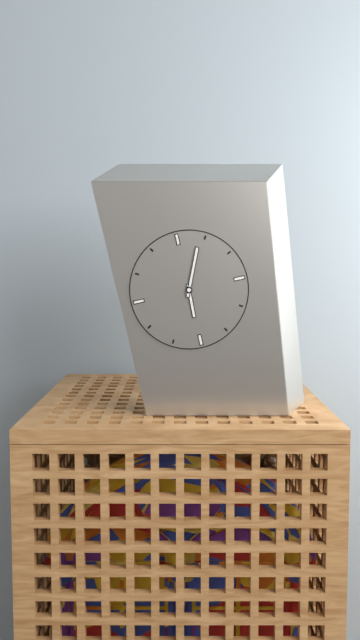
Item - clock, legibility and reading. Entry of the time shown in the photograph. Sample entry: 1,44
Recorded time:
6,04
